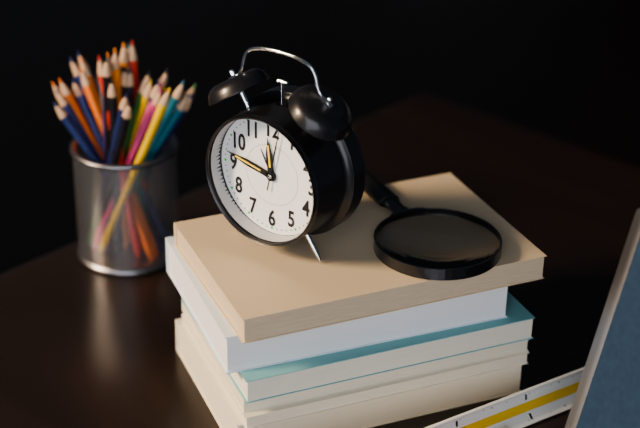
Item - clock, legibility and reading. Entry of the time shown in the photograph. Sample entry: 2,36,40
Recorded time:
11,47,02
